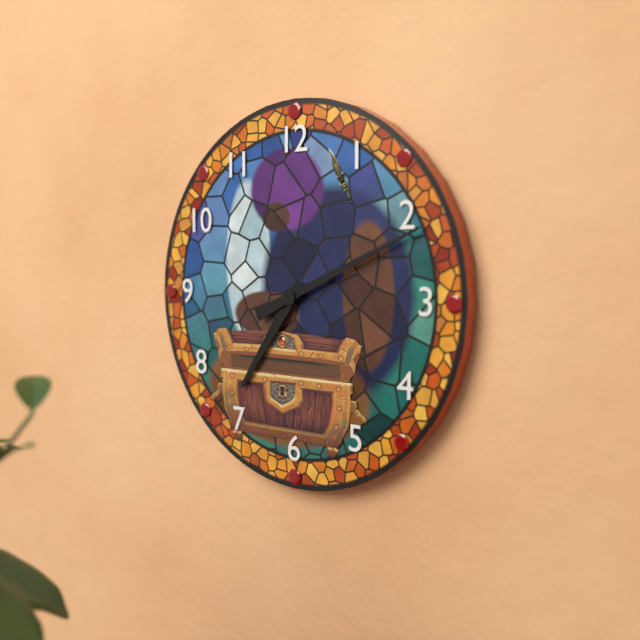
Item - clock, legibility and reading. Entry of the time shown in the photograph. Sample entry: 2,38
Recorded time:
7,11
